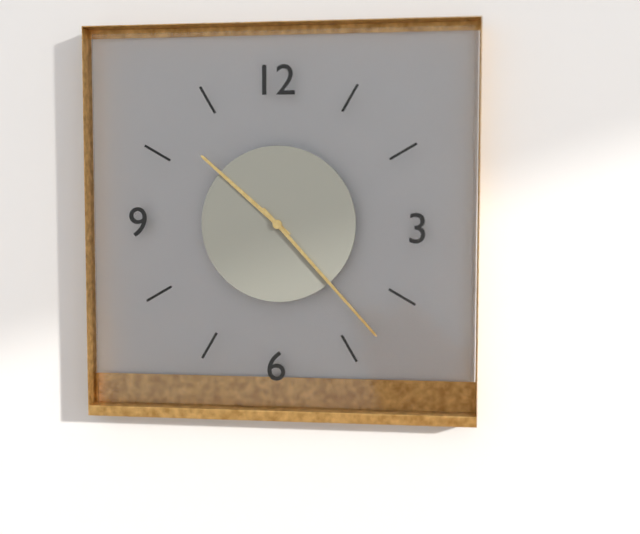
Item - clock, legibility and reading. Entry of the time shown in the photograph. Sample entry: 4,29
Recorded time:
10,23
